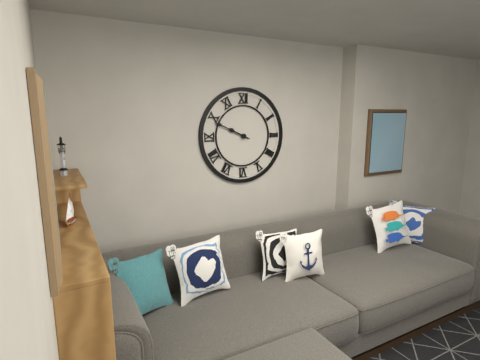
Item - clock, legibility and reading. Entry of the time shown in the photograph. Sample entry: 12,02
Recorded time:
9,49
